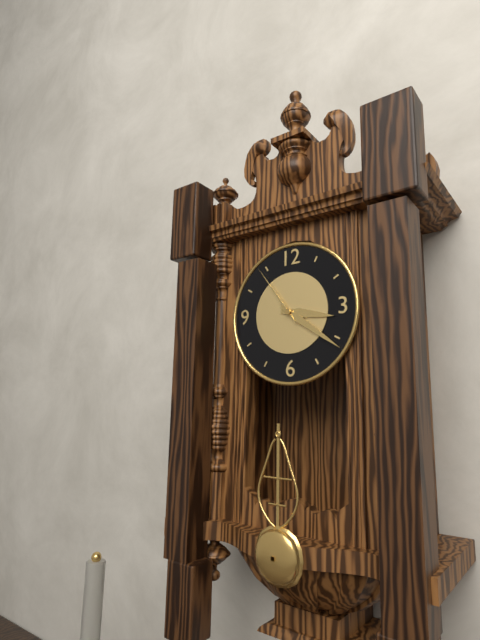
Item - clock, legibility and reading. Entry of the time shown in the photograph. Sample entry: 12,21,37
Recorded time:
3,21,54
